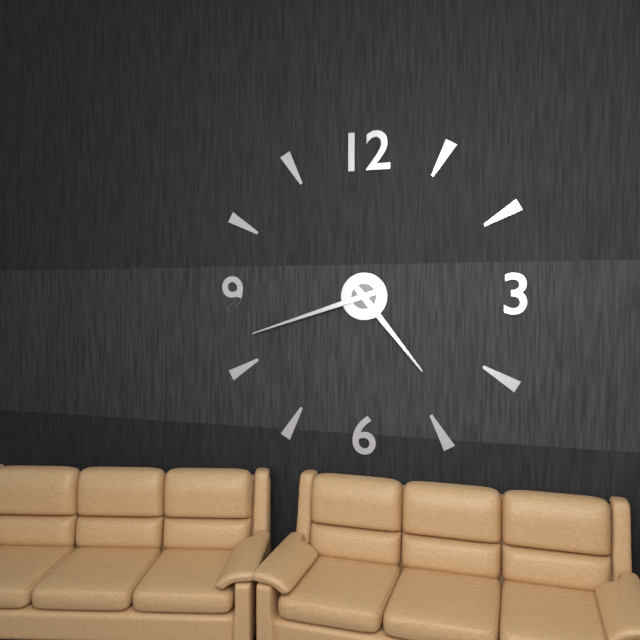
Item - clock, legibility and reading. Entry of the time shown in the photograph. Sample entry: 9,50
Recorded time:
4,42
